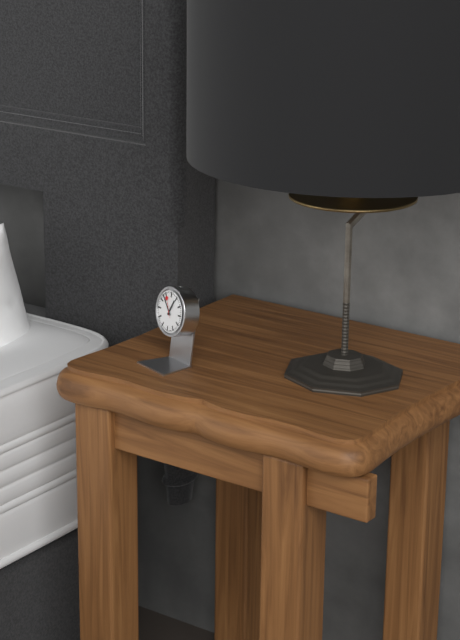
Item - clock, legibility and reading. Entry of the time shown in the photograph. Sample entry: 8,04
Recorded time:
12,53
